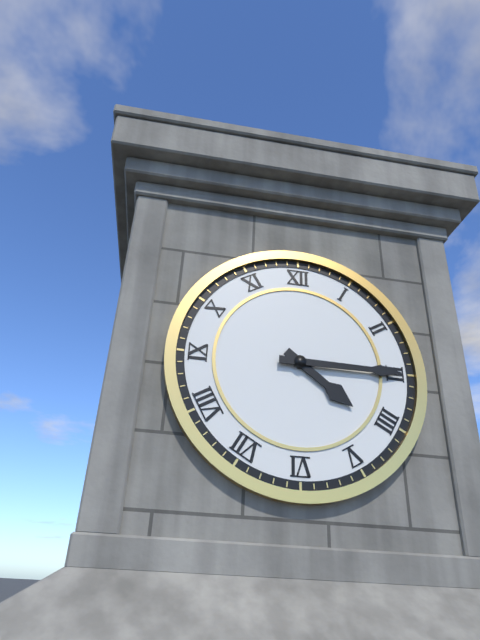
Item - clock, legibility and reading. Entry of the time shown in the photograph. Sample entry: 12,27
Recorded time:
4,15
